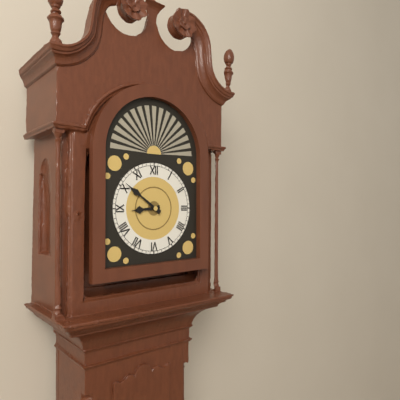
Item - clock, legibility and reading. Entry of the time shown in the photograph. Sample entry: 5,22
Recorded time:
8,51
